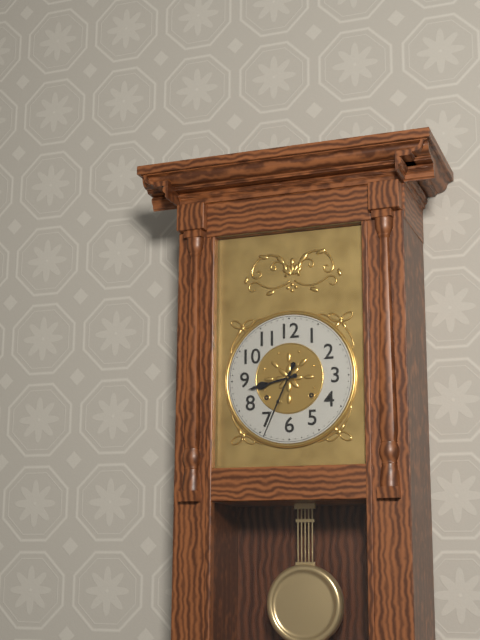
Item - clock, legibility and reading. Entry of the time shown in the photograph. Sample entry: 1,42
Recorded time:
8,34
